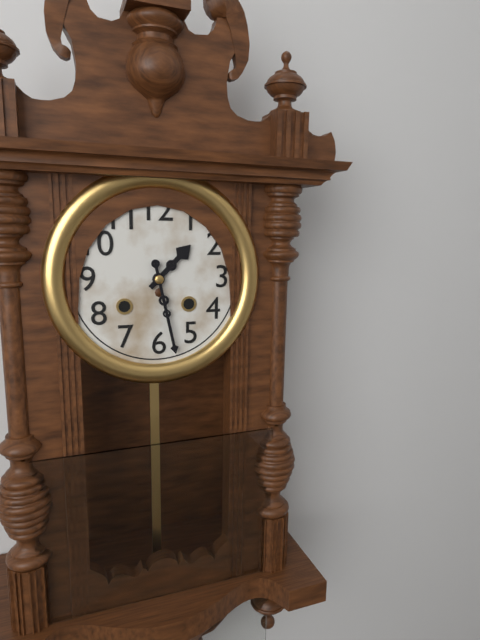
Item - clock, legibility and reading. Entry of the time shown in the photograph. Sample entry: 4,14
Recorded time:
1,28
